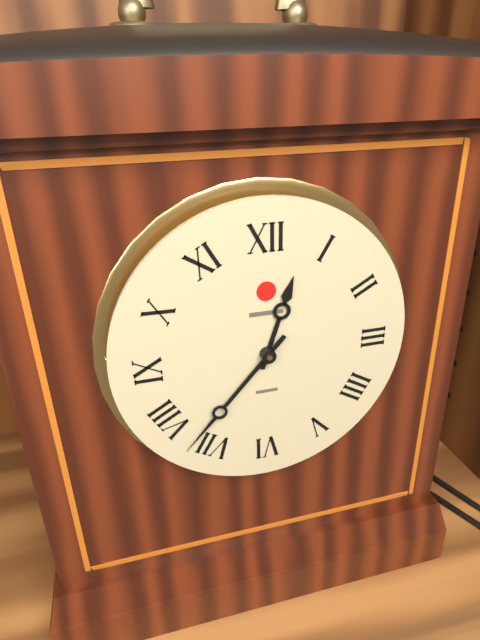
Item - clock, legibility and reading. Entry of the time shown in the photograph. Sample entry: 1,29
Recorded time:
12,37
